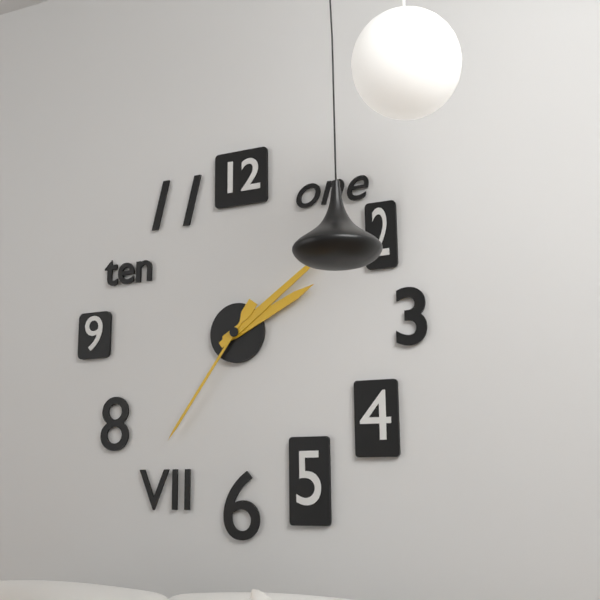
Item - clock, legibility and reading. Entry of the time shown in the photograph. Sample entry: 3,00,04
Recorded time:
2,09,36
